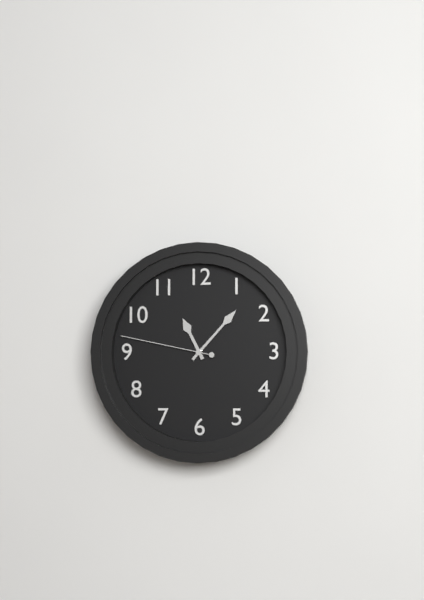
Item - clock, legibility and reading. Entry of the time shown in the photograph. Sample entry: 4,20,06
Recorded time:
11,07,47
